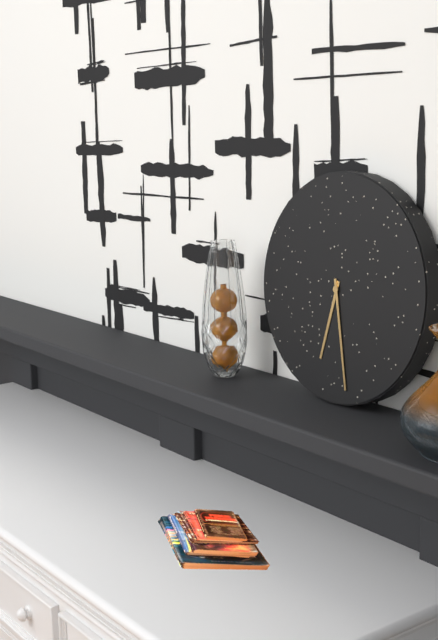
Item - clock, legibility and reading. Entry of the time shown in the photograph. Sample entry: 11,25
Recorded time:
6,28
